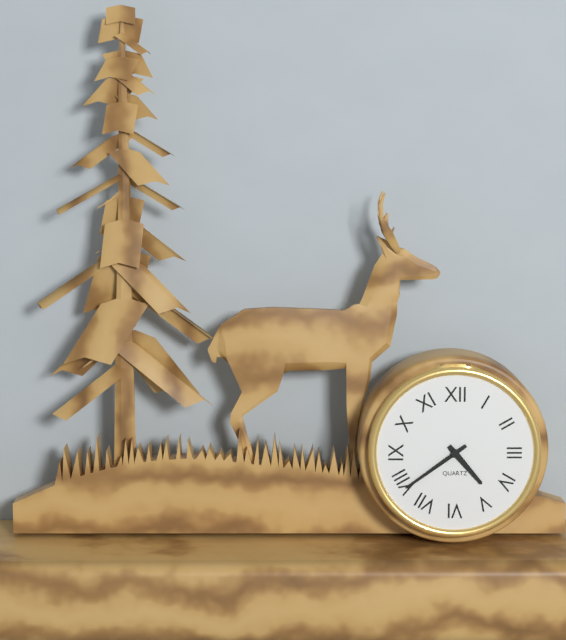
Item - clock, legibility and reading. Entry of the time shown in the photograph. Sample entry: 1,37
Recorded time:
4,39
